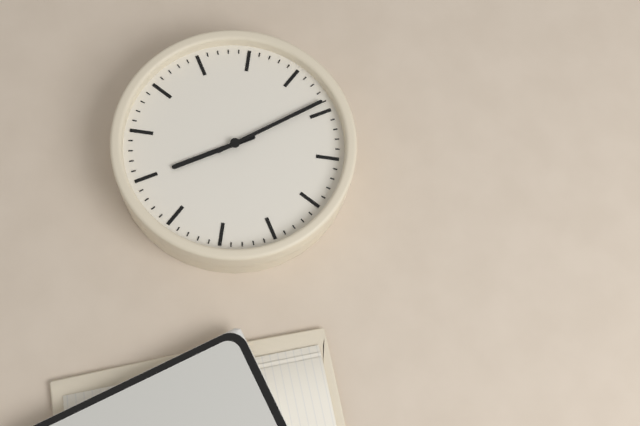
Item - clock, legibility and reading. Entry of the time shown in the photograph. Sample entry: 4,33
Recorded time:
5,59
